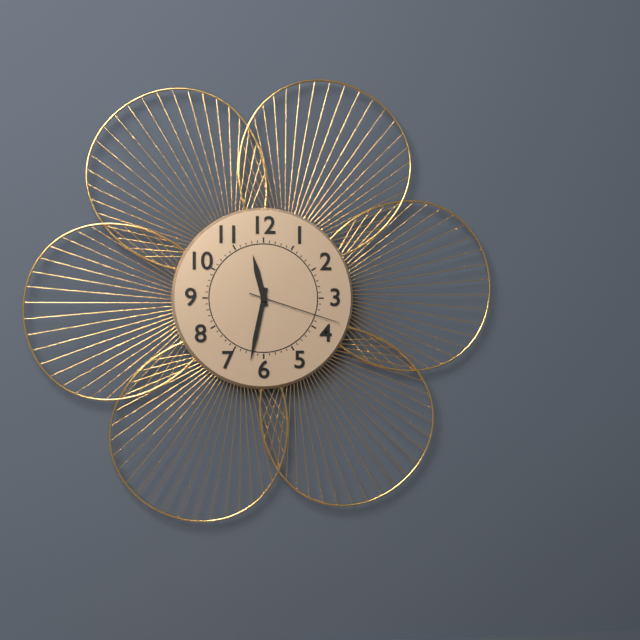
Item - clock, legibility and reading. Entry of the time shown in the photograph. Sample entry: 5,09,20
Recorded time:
11,32,18
